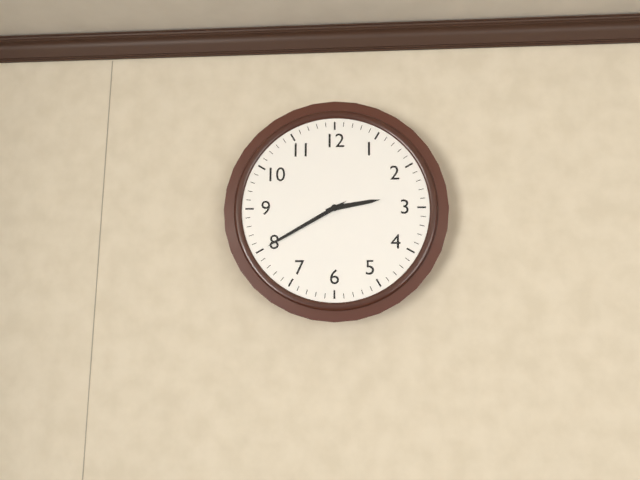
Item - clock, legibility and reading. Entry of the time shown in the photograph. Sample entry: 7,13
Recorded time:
2,40
